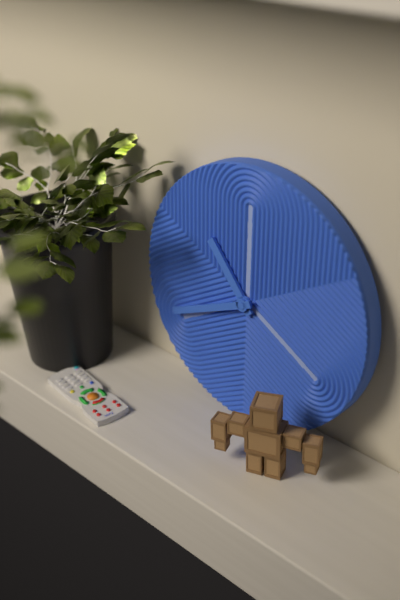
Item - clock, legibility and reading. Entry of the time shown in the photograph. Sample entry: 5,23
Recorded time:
10,41
